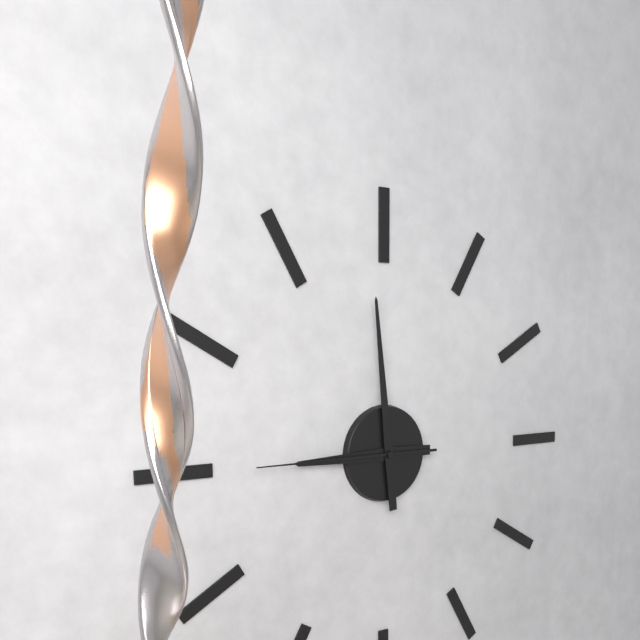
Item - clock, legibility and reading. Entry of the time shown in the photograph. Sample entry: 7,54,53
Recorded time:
8,59,45
